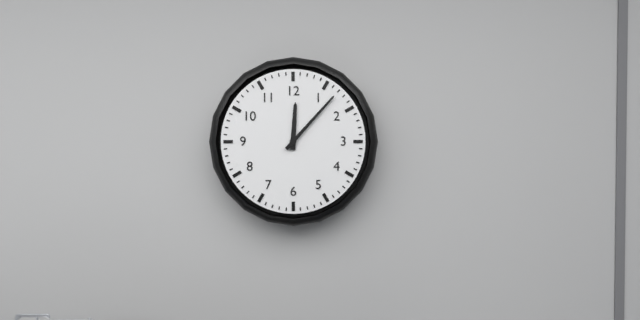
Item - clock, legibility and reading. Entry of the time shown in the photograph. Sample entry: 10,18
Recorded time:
12,07
